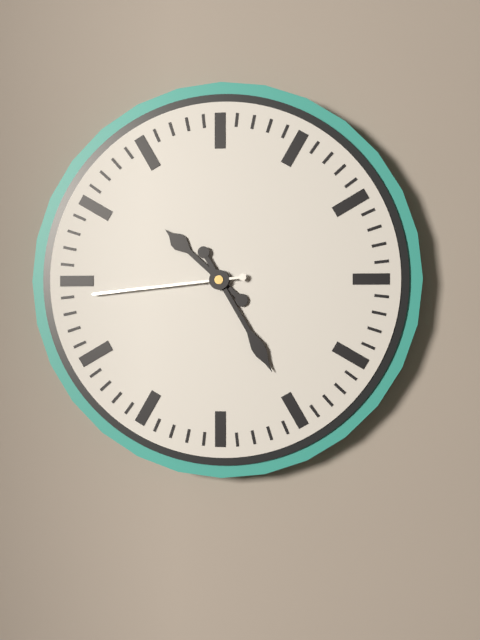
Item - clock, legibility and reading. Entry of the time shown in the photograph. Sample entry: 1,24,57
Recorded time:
10,25,44
